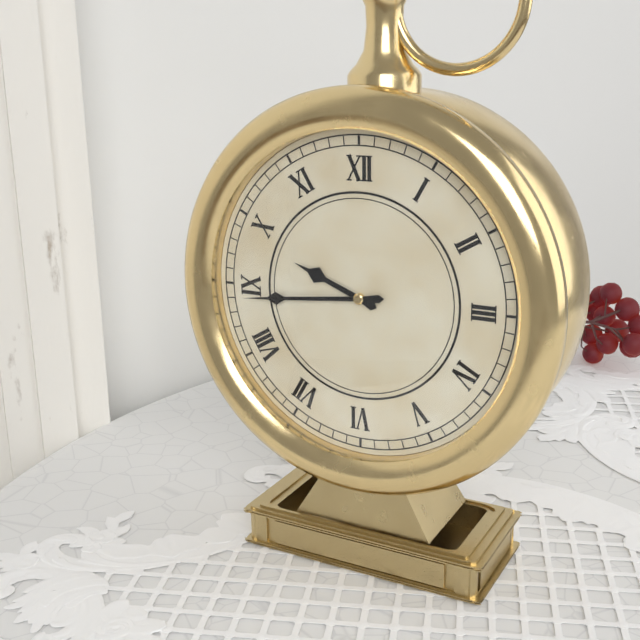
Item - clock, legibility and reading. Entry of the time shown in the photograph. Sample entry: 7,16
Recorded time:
9,44
